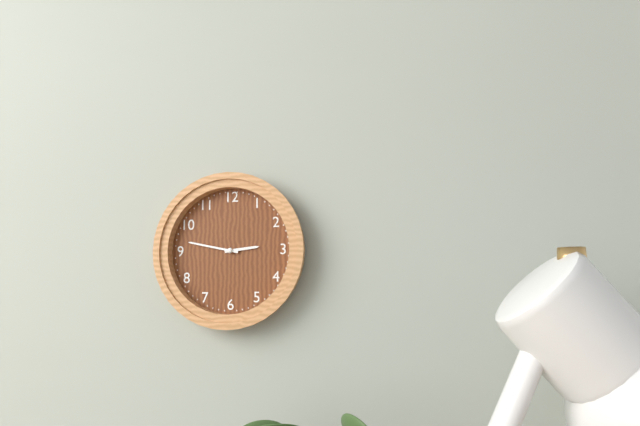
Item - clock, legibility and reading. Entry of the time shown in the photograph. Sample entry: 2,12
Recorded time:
2,47
